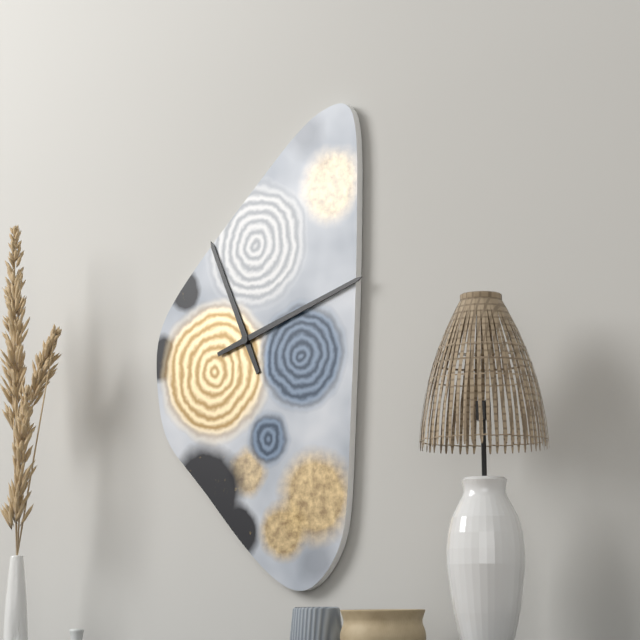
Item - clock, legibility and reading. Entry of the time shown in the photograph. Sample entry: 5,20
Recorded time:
11,12
